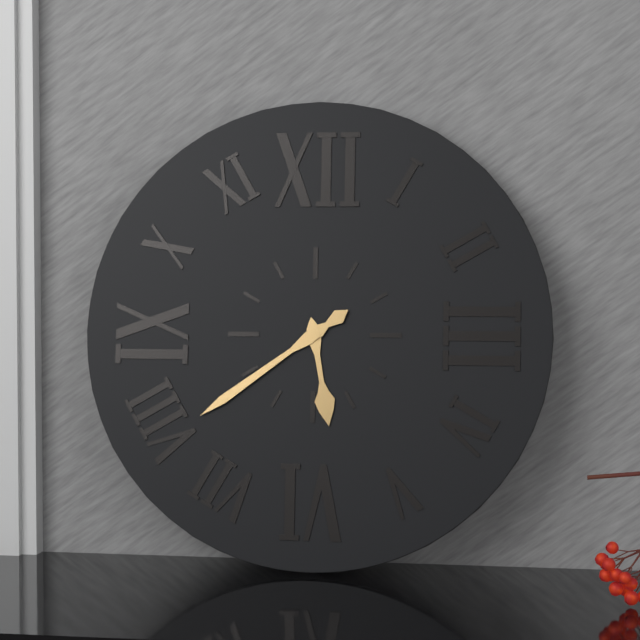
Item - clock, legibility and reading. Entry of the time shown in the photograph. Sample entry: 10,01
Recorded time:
5,39
